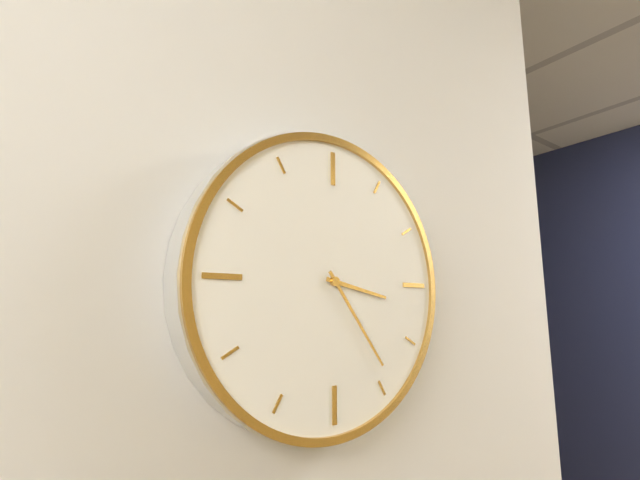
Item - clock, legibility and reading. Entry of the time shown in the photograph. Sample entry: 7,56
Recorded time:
3,24
